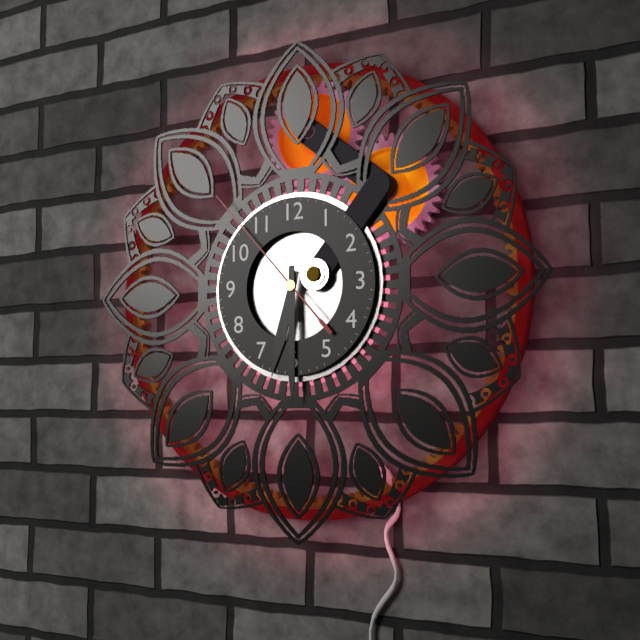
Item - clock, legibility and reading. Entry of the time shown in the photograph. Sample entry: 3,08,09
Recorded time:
6,30,53
